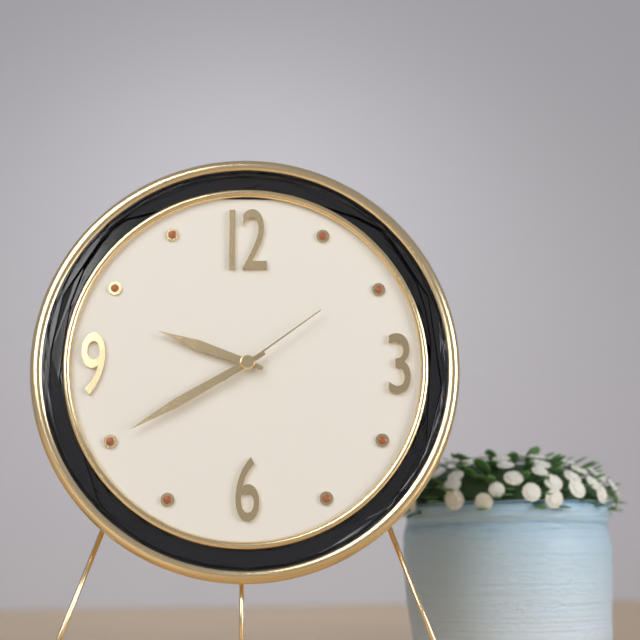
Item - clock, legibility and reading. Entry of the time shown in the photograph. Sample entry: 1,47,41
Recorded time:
9,40,09
